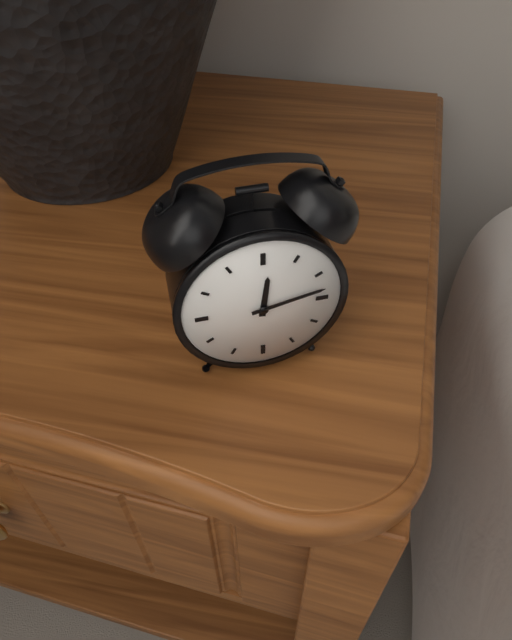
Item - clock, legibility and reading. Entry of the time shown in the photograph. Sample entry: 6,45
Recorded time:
12,13
